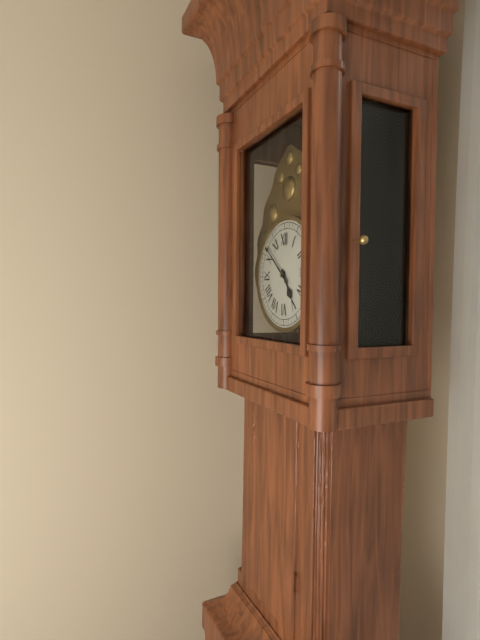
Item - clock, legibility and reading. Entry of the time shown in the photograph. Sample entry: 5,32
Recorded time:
4,52
